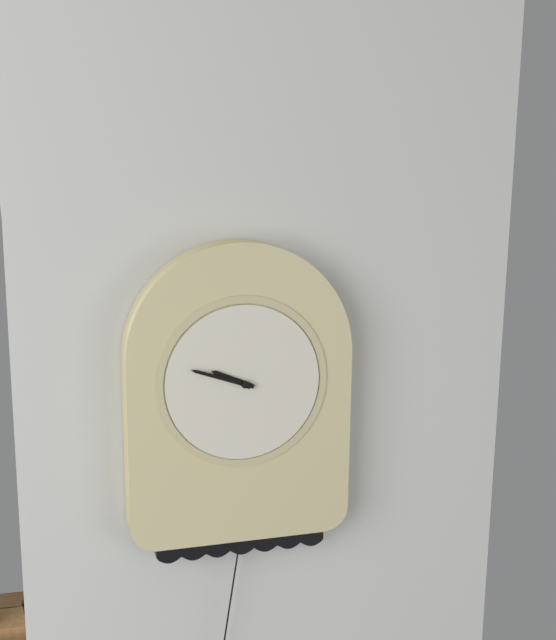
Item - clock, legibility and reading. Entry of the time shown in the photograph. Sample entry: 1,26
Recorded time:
9,48
